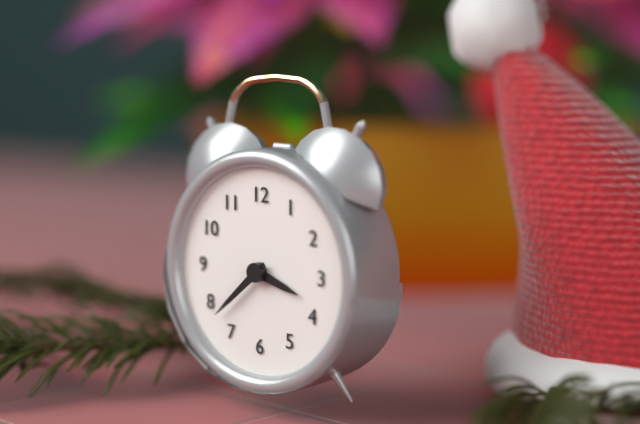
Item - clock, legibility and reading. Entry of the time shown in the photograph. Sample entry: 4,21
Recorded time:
3,38
